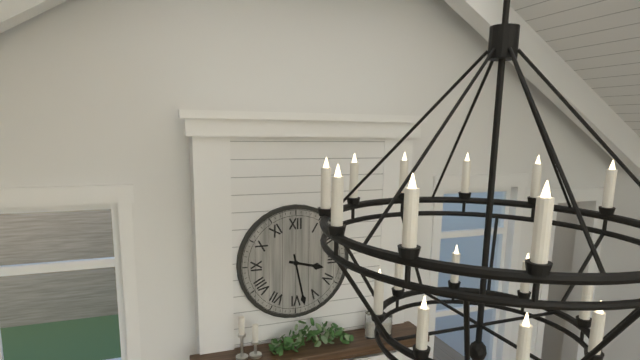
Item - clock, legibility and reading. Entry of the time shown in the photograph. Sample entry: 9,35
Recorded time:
3,28
